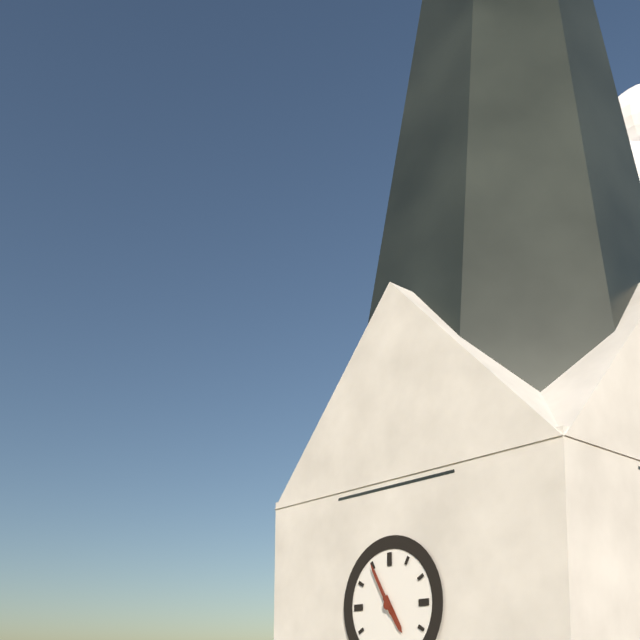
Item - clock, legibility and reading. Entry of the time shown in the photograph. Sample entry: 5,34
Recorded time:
4,55
